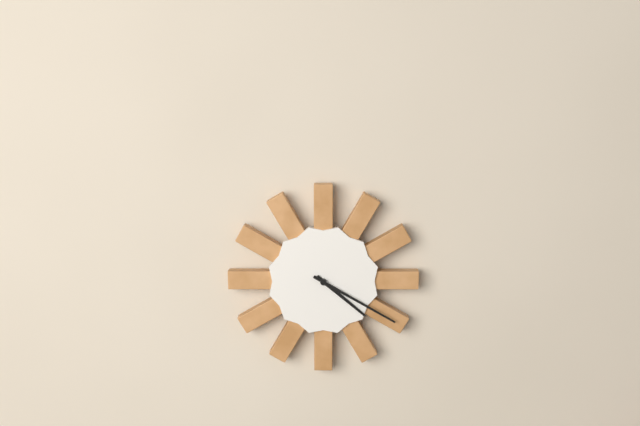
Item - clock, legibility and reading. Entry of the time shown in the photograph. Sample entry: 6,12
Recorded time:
4,20
